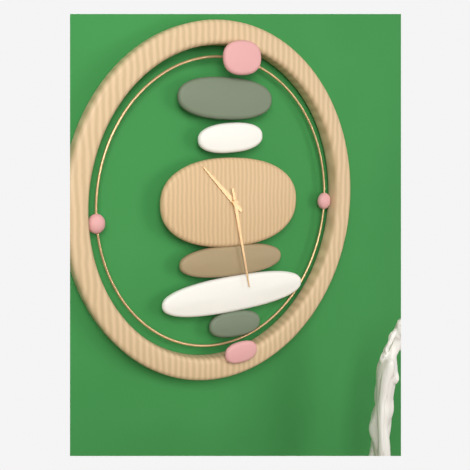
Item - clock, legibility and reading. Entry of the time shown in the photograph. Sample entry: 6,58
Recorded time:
10,28
